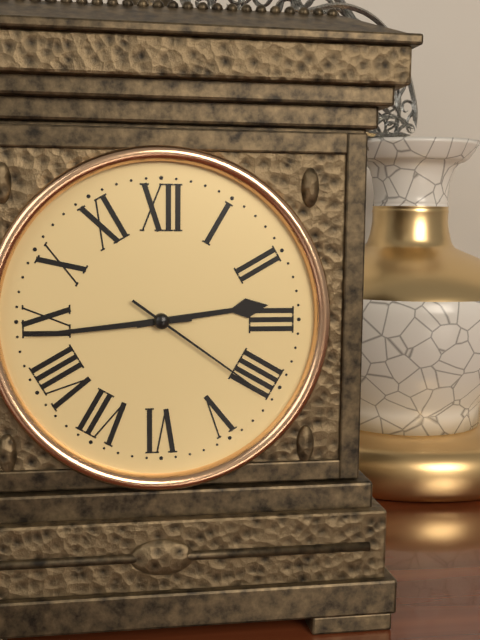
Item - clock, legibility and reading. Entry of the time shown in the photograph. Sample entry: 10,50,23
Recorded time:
2,44,21
